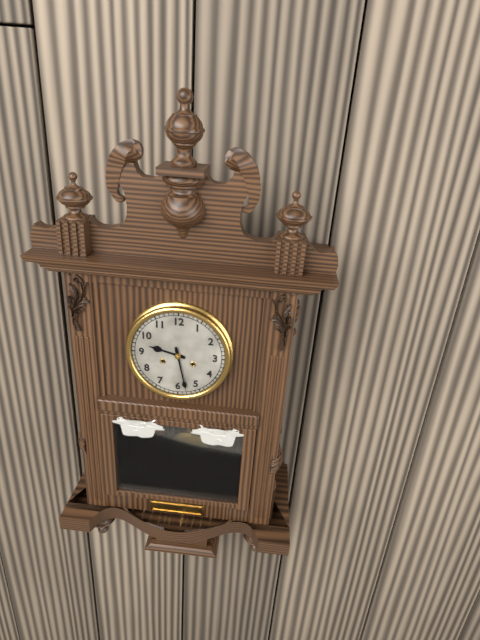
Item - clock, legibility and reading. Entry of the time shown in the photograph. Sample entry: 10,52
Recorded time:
9,28
